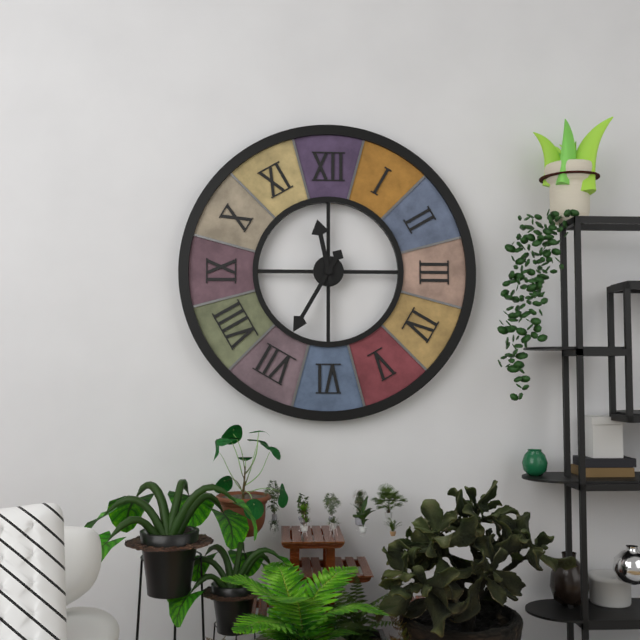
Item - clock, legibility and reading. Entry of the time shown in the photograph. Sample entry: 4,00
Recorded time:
11,35
